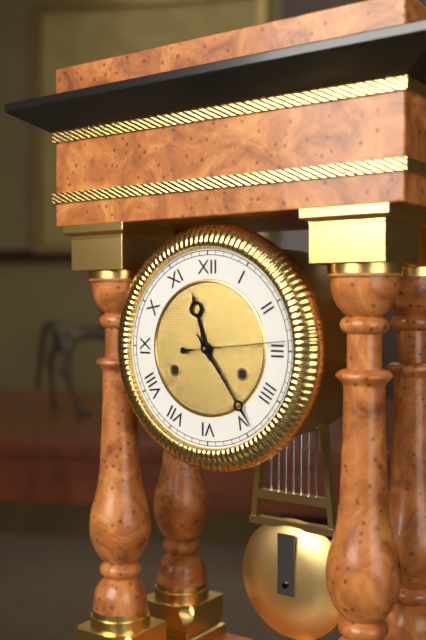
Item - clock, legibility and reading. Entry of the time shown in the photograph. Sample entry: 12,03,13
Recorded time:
11,24,14
